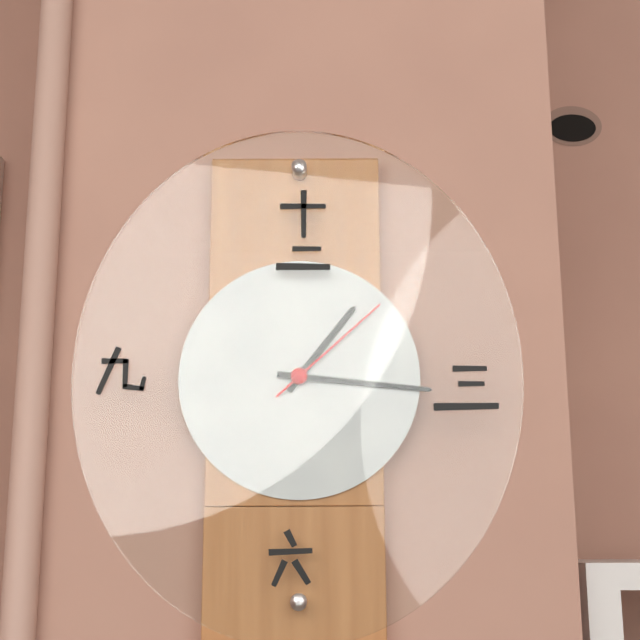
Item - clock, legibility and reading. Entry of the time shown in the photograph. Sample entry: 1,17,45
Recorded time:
1,16,08
